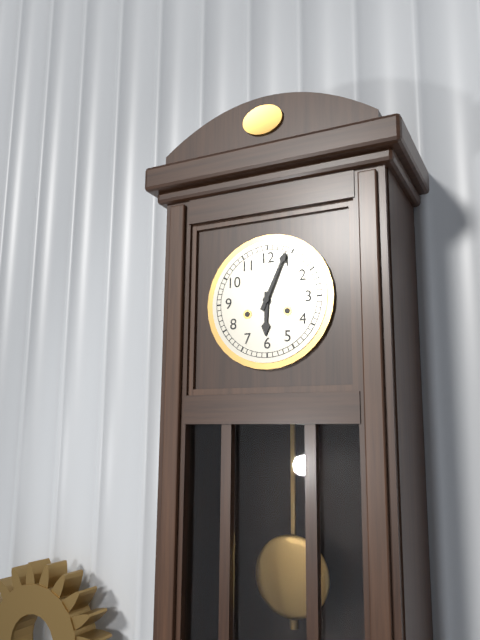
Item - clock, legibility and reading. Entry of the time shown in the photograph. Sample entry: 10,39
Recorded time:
6,04
